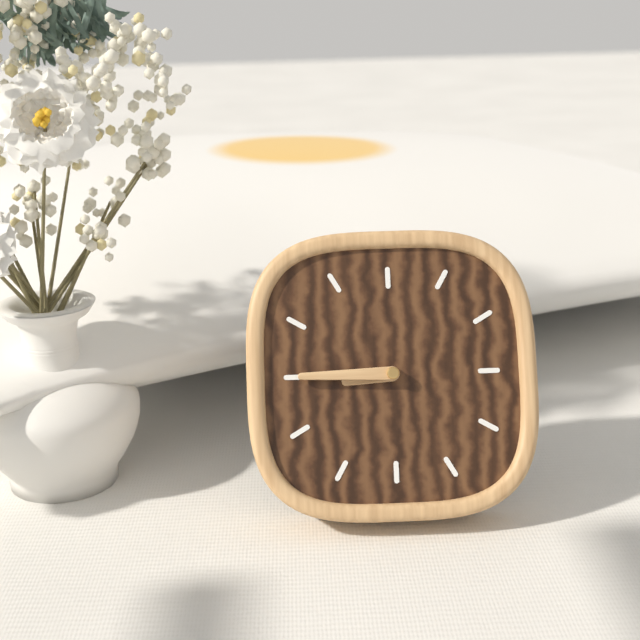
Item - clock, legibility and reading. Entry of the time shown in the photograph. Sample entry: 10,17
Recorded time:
8,45
